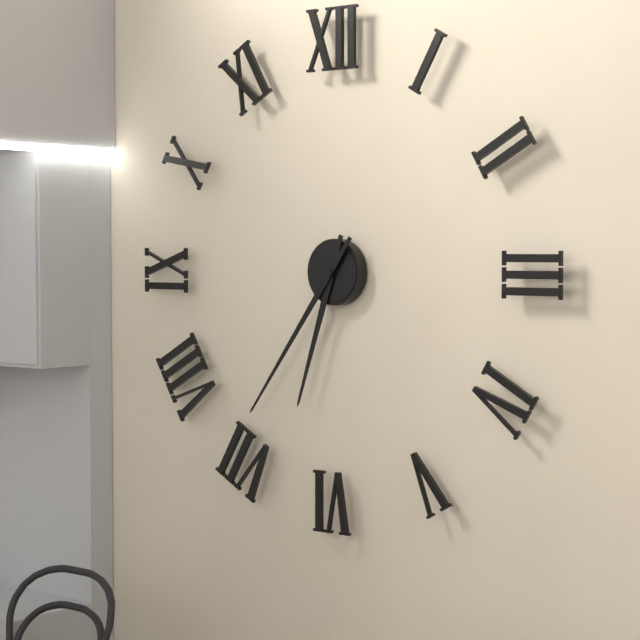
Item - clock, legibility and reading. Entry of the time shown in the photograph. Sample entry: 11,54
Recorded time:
6,36
